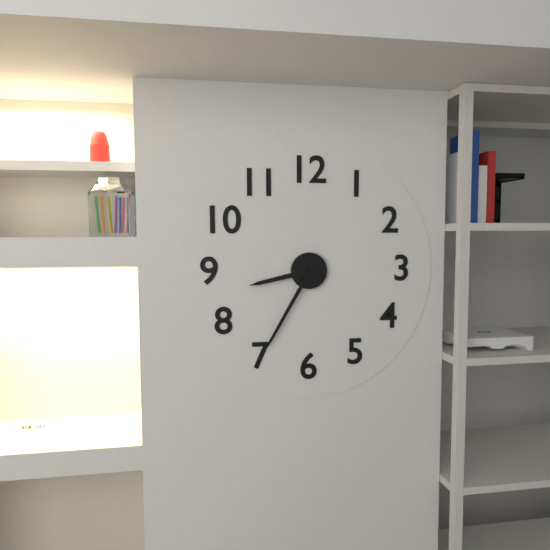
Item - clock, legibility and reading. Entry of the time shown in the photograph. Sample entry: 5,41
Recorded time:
8,35
